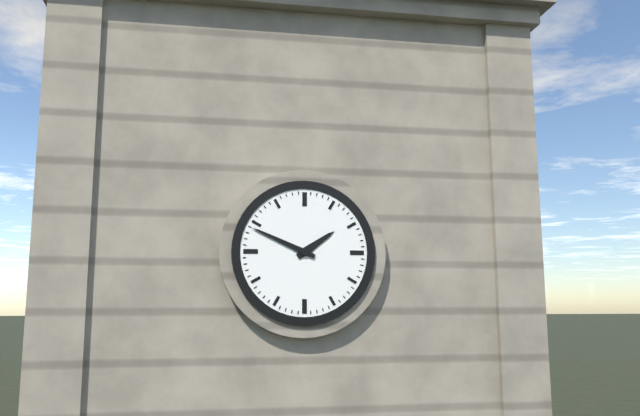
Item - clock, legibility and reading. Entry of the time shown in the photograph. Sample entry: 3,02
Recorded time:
1,49
